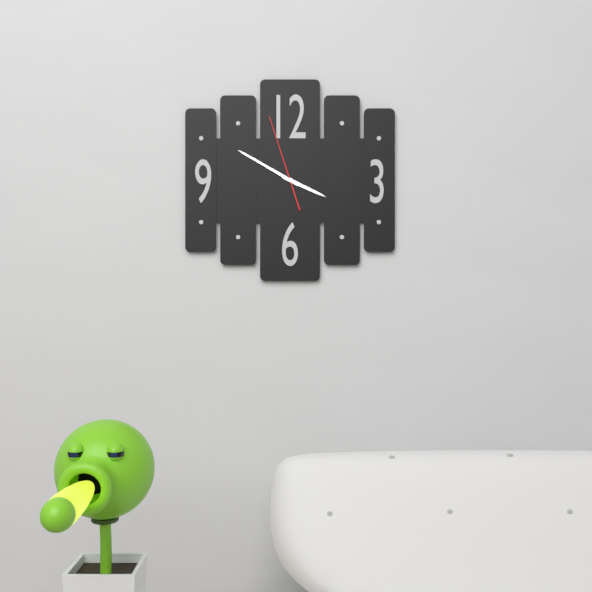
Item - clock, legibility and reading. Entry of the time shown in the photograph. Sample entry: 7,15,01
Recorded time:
3,50,57
